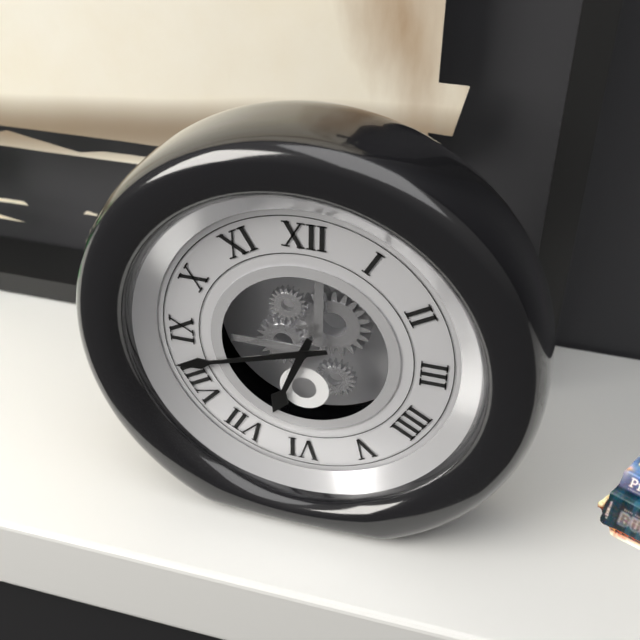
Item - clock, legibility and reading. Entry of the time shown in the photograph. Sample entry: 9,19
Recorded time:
6,42
